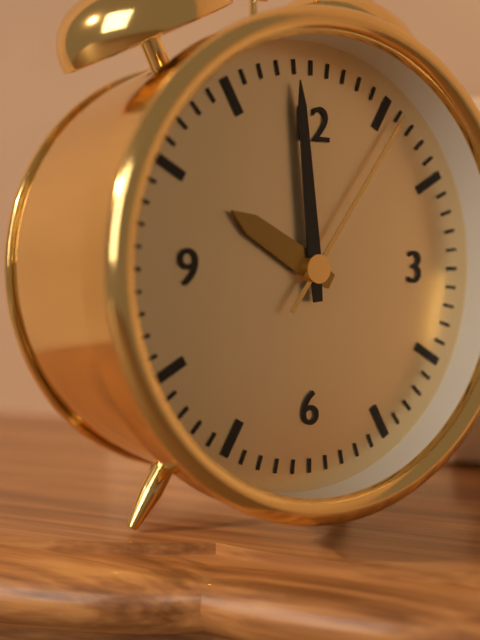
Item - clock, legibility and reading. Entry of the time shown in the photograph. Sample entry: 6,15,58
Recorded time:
9,59,06
